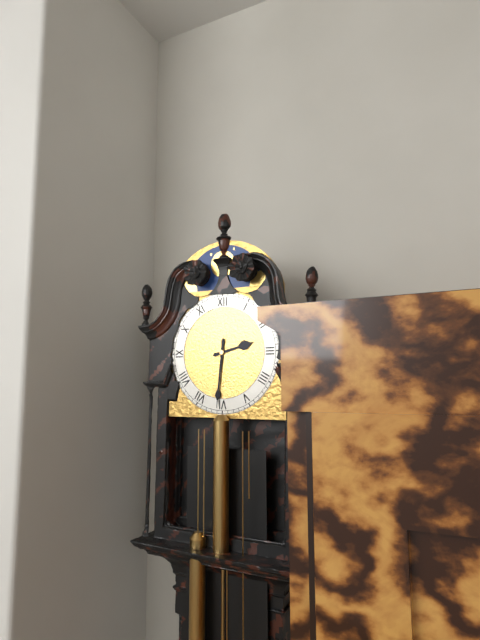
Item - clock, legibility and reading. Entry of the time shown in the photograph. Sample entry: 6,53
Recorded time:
2,31
